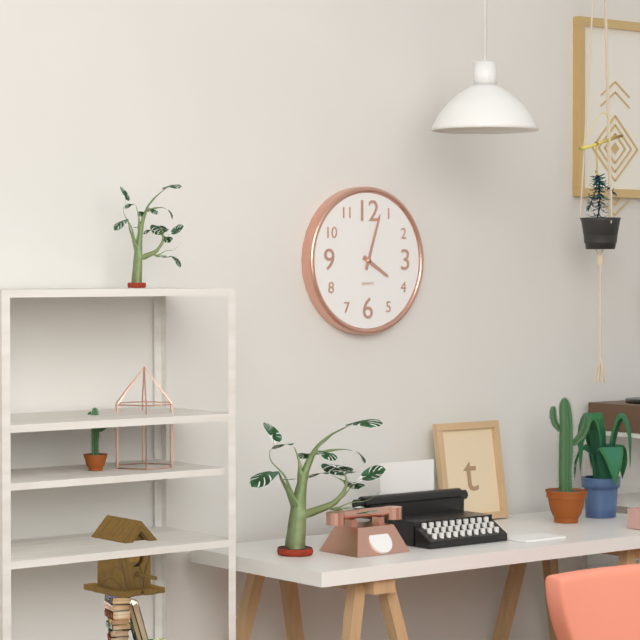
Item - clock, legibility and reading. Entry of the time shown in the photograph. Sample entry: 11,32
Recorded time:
4,03
